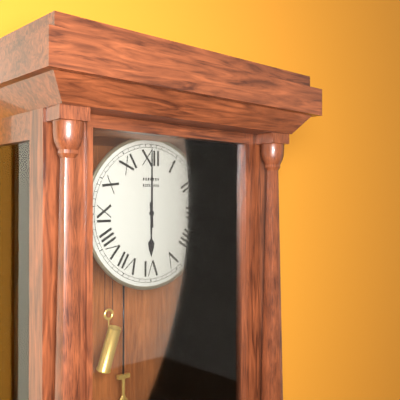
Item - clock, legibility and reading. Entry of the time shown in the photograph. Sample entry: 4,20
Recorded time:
6,00
